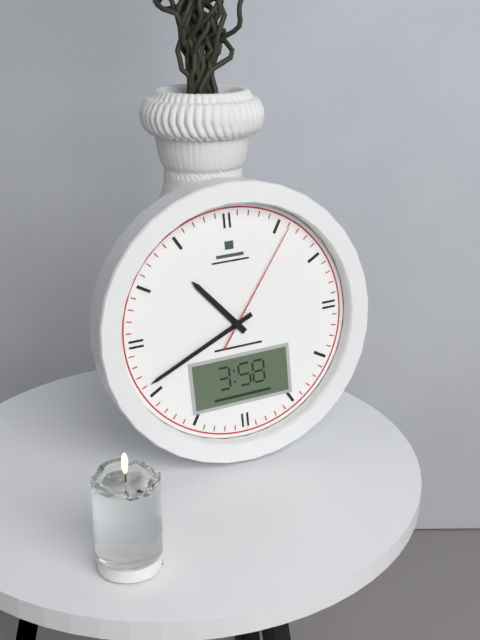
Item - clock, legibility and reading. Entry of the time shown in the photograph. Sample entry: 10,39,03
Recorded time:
10,41,06
